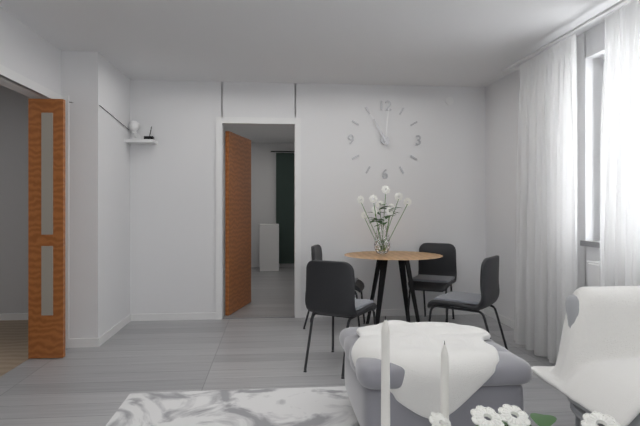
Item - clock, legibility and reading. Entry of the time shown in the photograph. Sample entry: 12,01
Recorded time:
11,01
